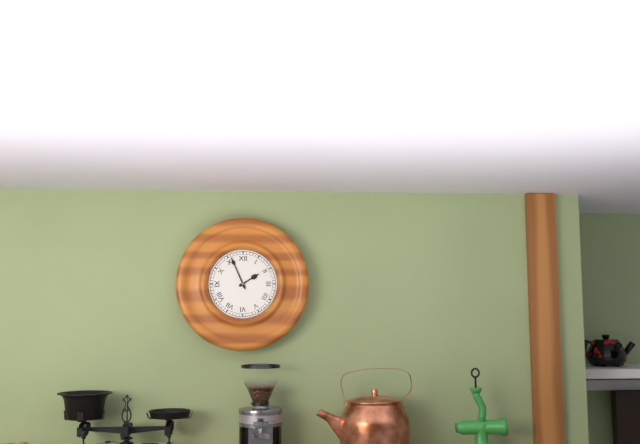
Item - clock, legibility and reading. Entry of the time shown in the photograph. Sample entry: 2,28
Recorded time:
1,56
